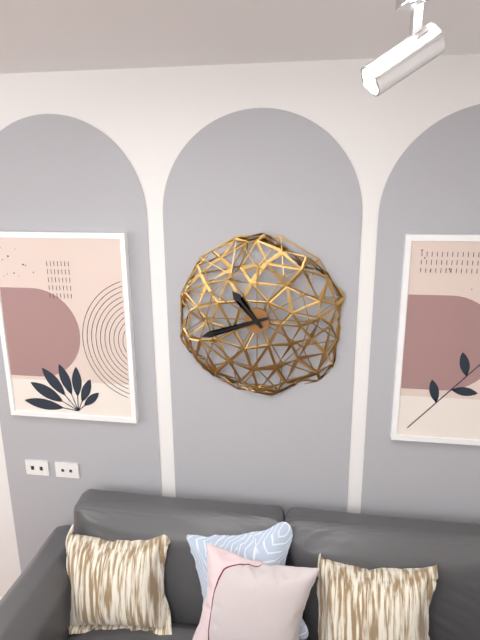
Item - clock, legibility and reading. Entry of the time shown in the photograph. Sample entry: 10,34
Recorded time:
10,42
